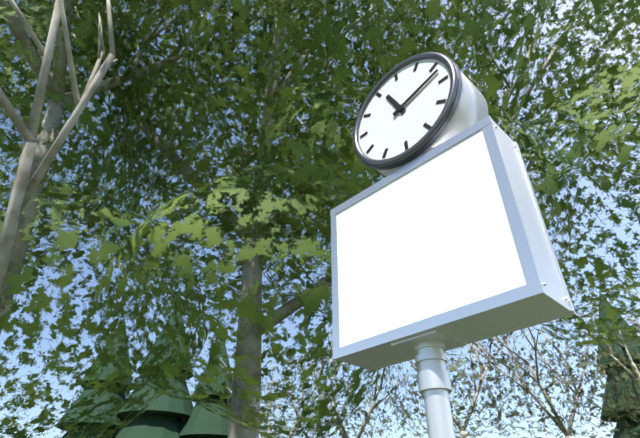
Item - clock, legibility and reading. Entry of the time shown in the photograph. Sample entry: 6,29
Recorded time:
11,12
